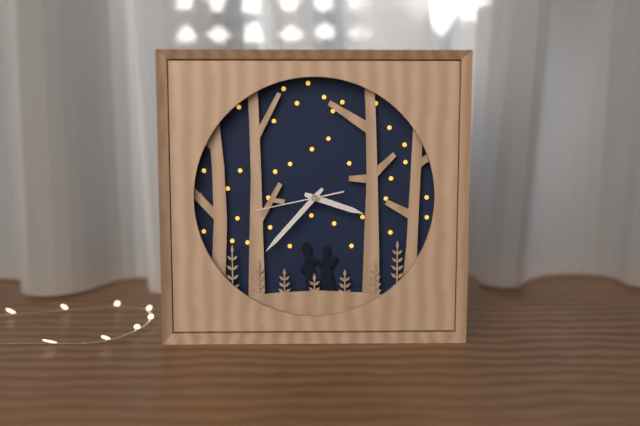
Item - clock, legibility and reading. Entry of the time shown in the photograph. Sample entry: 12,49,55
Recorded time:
3,37,43
